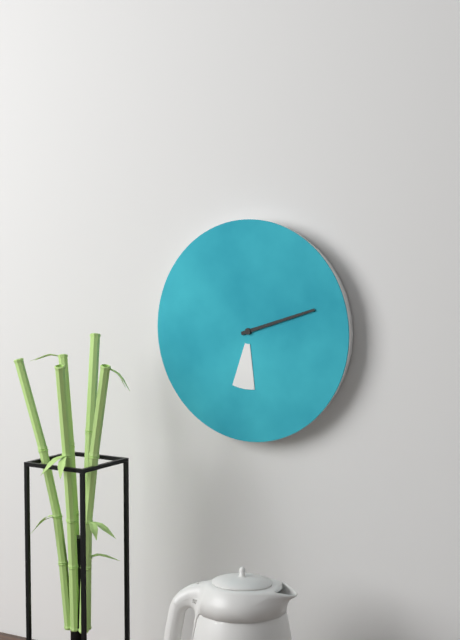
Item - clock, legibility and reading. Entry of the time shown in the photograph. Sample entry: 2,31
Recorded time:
6,12
